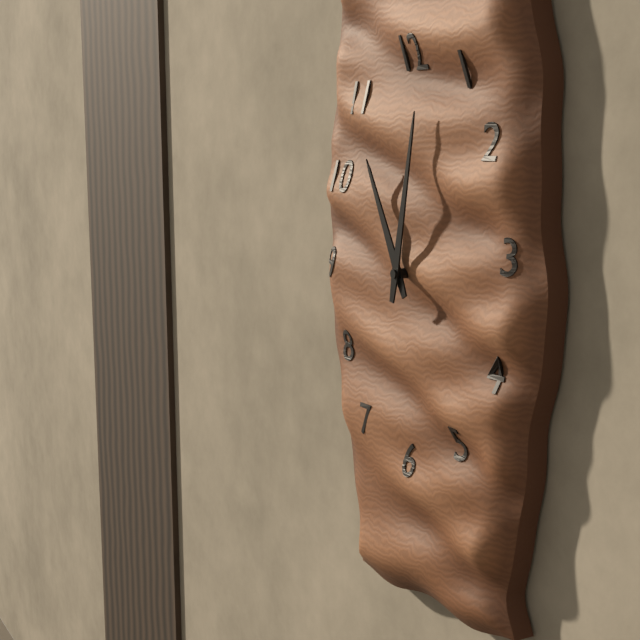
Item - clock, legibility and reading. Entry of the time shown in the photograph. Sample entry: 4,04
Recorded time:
11,02
